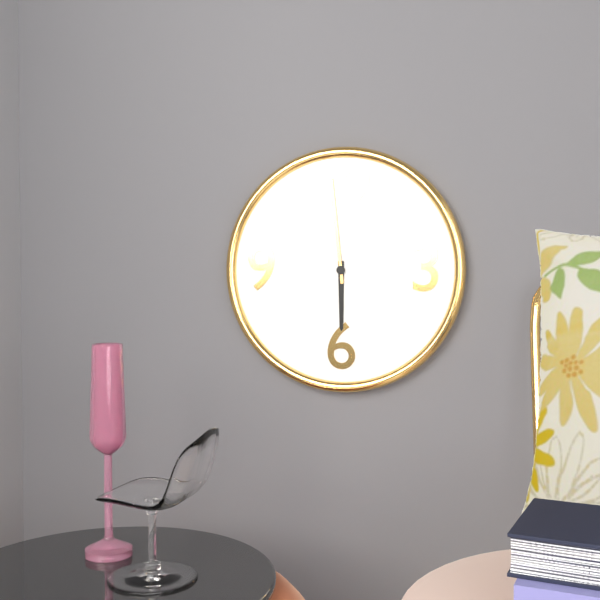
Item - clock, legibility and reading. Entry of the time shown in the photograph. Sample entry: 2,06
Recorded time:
5,59
